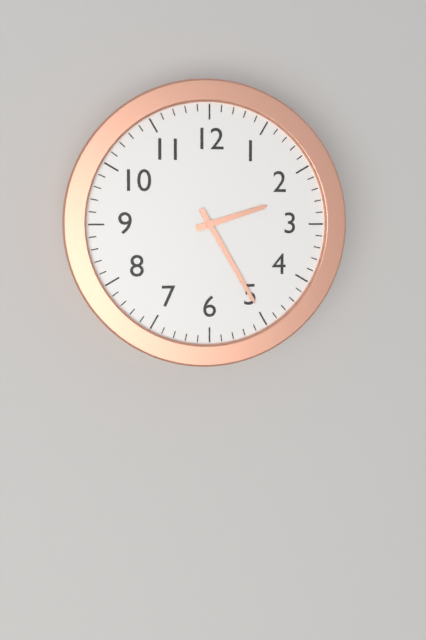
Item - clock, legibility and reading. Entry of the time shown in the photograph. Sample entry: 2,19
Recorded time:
2,25
